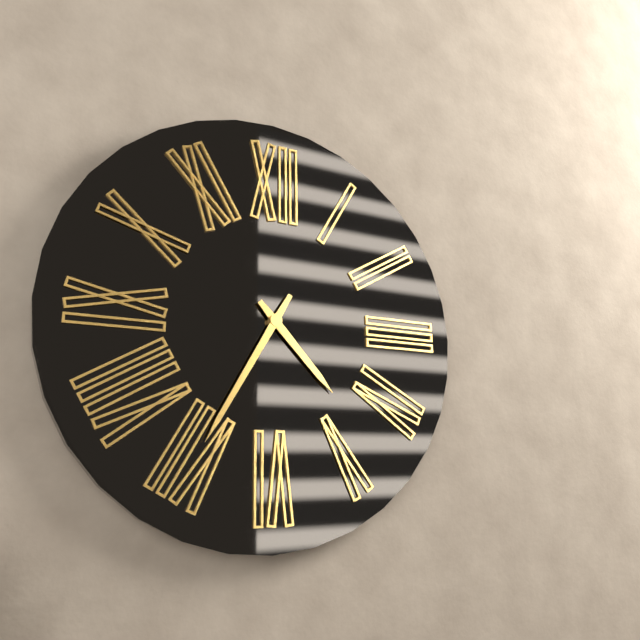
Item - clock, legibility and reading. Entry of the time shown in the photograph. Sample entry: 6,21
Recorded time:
4,35
